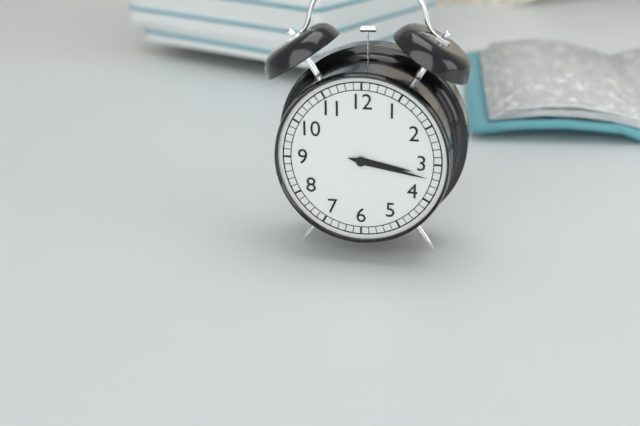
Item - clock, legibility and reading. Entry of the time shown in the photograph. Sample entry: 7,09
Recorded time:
3,17
